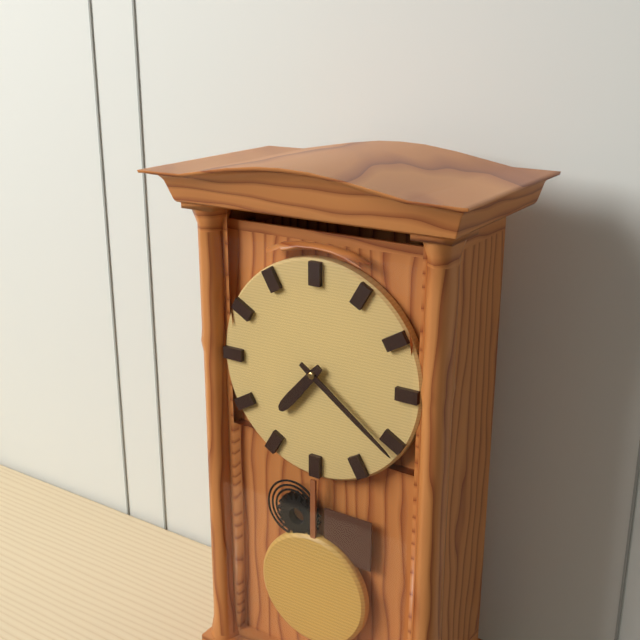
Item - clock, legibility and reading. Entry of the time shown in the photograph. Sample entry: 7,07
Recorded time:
7,21
